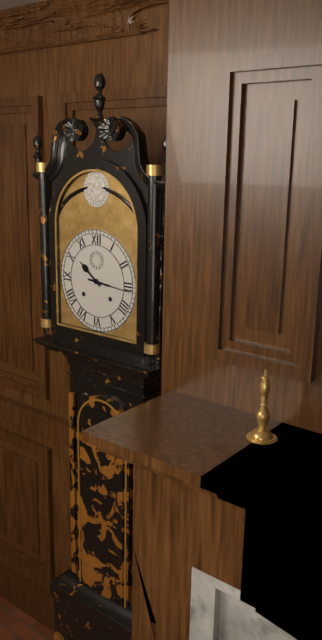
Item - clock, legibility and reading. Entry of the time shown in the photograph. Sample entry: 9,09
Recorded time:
10,16
